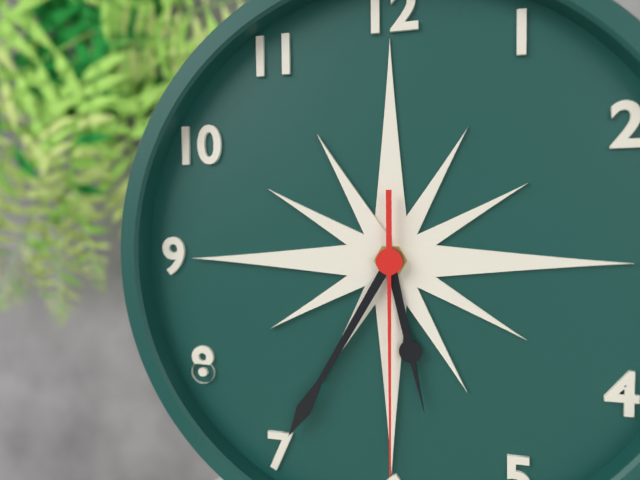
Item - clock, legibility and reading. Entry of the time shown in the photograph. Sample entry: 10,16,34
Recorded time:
5,35,30
